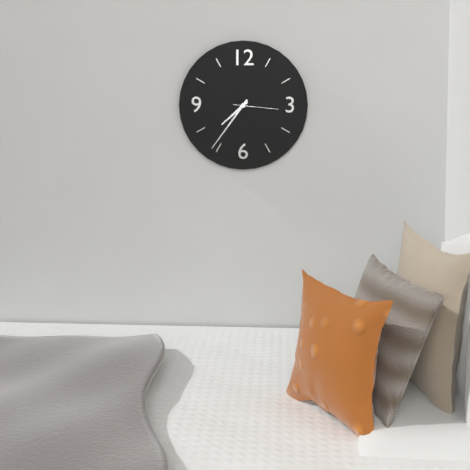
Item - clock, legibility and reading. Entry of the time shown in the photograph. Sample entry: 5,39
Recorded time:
7,36
